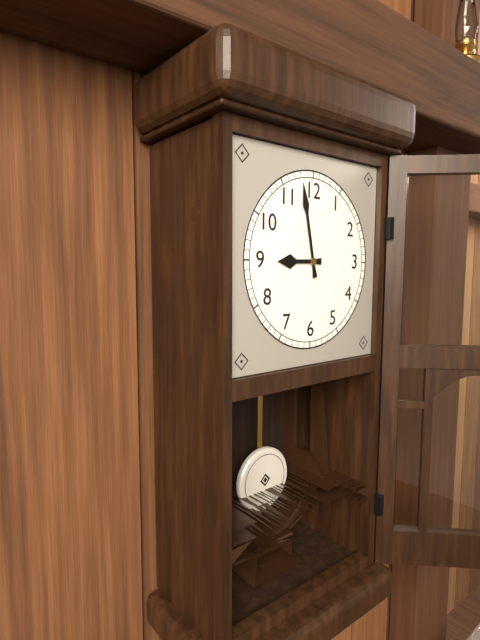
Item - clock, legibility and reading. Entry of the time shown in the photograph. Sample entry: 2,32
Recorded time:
8,58
